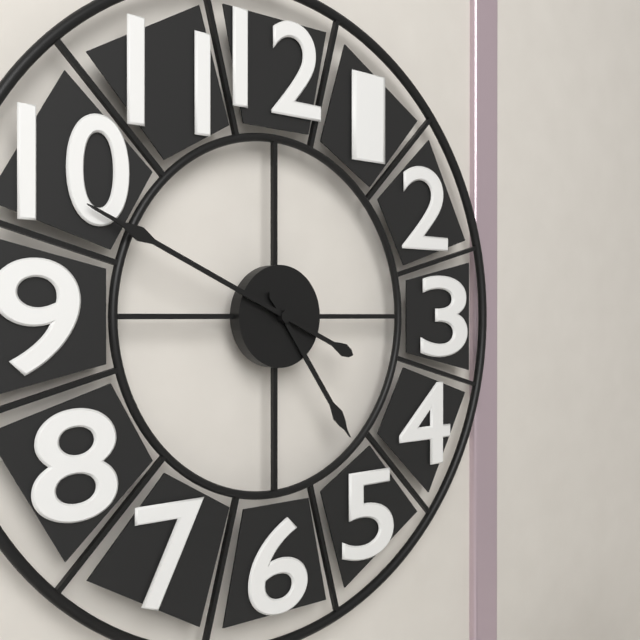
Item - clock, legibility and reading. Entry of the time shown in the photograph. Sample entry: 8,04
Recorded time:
4,49
